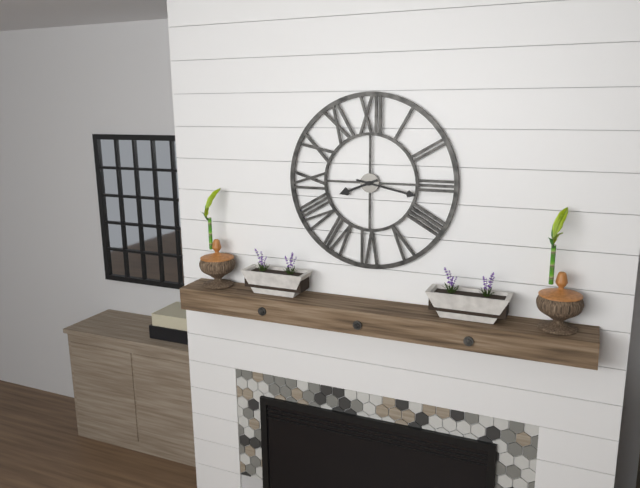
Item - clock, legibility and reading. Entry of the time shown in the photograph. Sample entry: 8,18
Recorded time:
8,17
